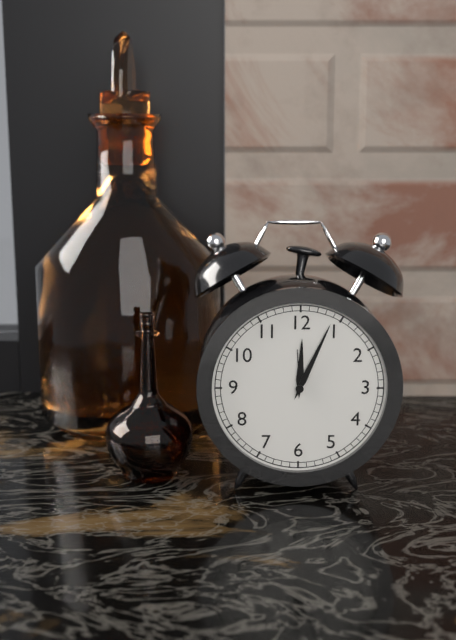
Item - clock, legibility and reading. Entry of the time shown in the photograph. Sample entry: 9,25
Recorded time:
12,04
